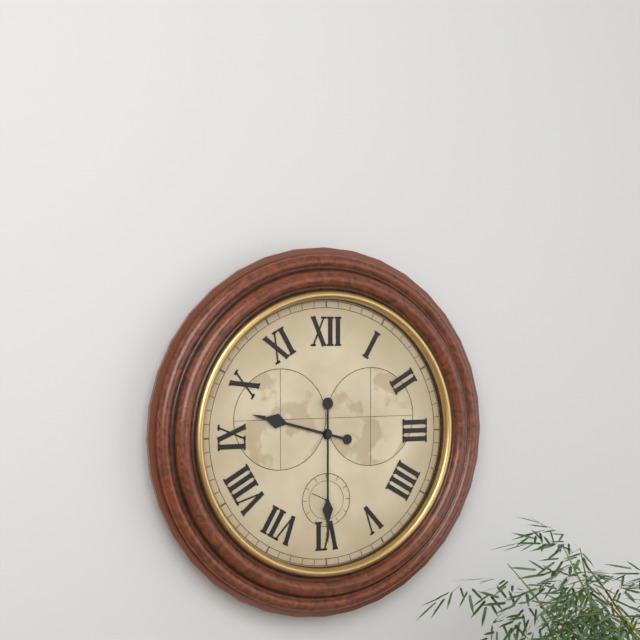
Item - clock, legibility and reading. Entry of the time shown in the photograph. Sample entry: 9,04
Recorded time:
9,30
